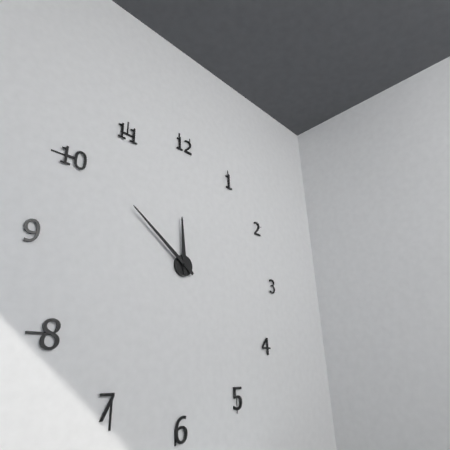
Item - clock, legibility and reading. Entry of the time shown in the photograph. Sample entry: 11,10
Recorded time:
11,51
